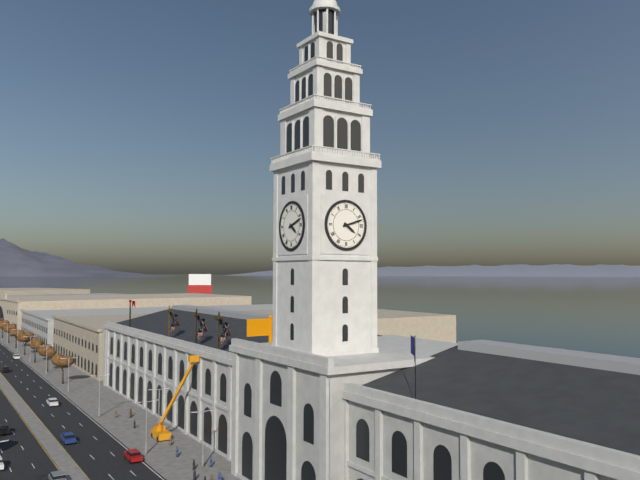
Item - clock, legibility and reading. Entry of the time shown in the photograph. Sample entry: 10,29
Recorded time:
4,12
